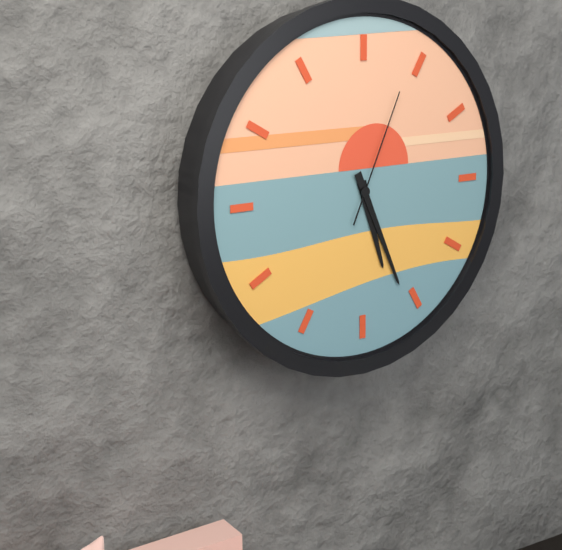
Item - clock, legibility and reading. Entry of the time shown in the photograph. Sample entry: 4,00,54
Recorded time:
5,26,04
